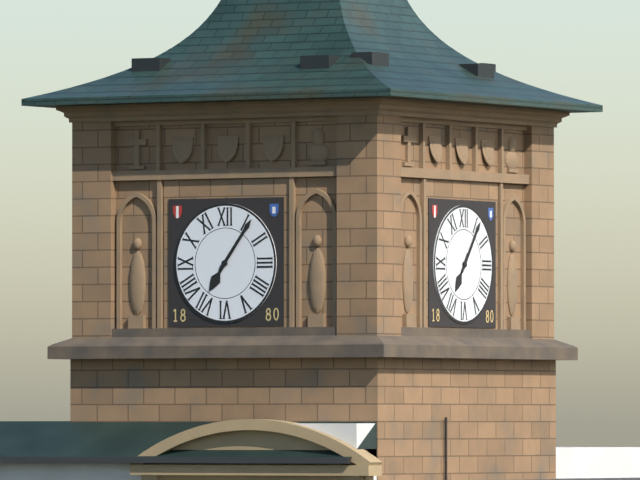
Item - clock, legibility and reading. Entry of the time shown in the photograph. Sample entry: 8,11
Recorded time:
7,06
